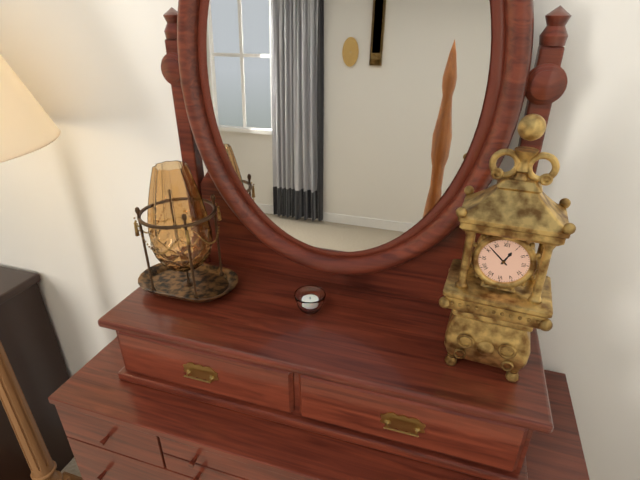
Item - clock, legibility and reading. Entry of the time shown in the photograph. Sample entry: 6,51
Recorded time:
12,52
